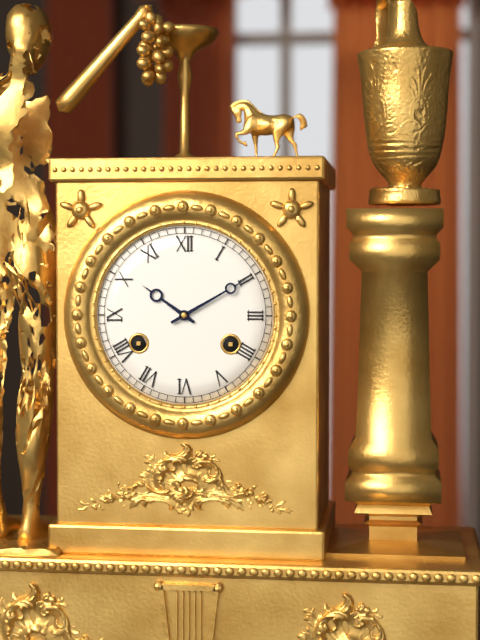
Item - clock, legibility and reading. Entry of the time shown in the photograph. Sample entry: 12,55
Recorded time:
10,10
